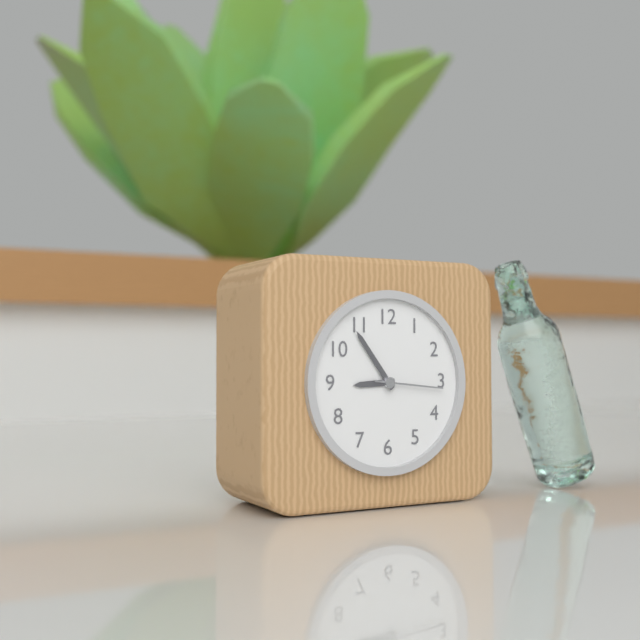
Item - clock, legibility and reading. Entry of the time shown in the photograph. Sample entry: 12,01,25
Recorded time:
8,54,16
